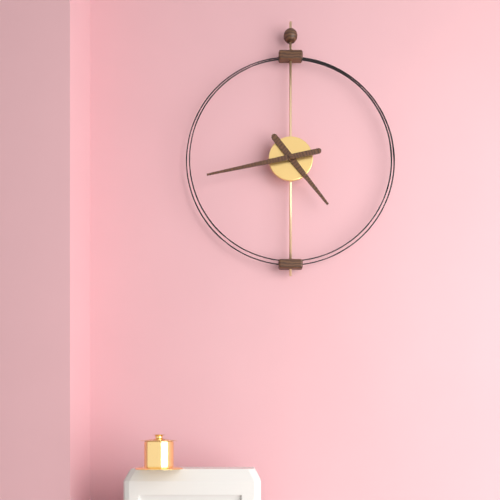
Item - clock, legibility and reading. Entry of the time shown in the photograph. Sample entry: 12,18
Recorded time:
4,43
